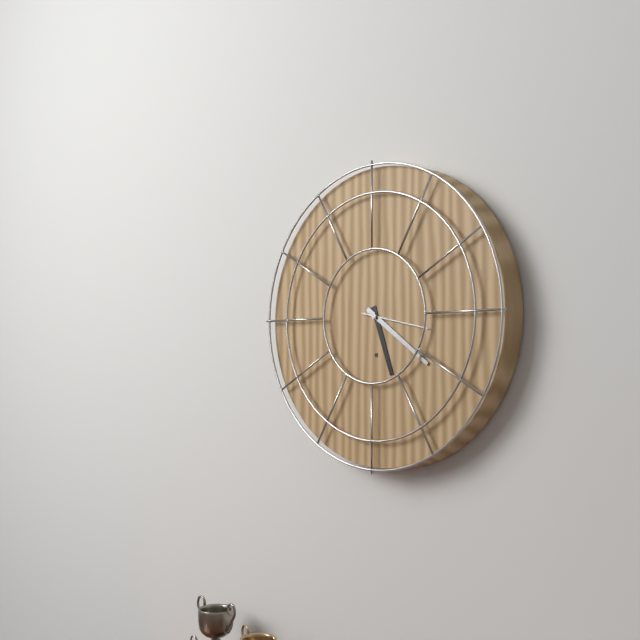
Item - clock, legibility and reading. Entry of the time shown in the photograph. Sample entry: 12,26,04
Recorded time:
5,21,17
